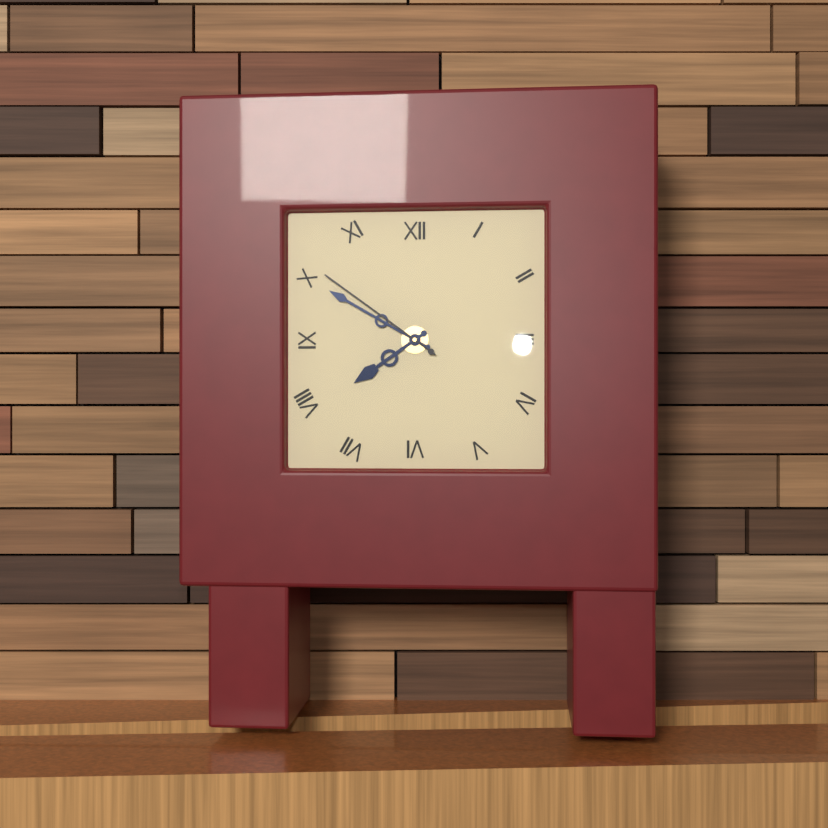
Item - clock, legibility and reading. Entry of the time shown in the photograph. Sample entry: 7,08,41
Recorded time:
7,50,51
